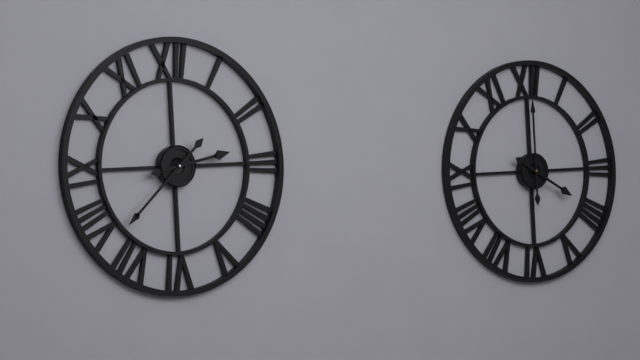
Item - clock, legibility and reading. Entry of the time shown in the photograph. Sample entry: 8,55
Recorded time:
2,38
